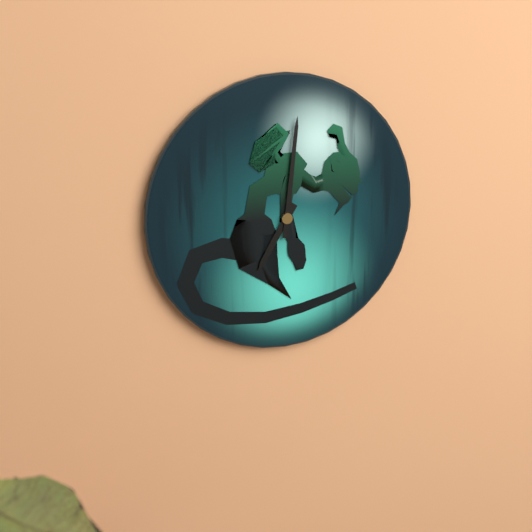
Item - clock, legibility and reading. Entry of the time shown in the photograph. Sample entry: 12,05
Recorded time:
7,01
